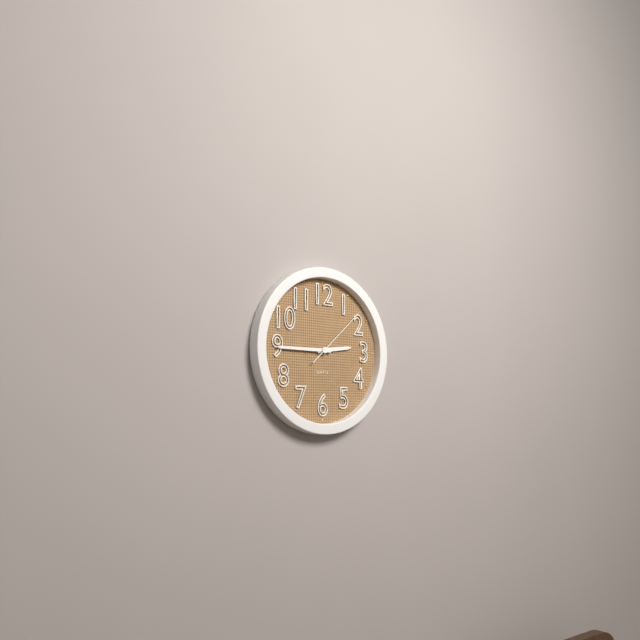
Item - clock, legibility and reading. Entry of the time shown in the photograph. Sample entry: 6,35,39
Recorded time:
2,45,08
